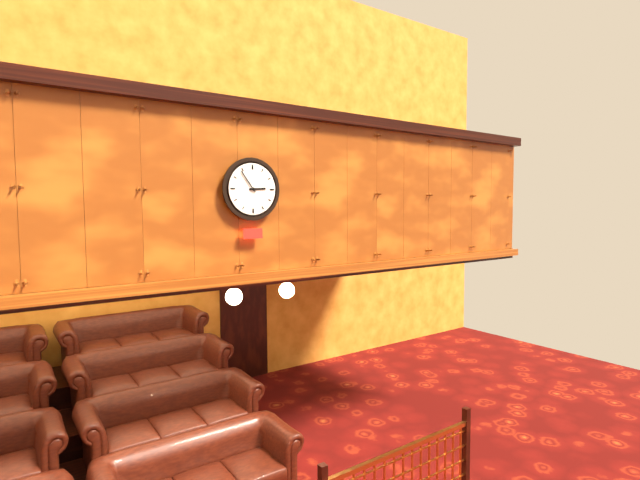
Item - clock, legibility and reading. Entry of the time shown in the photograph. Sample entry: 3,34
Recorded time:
2,54
